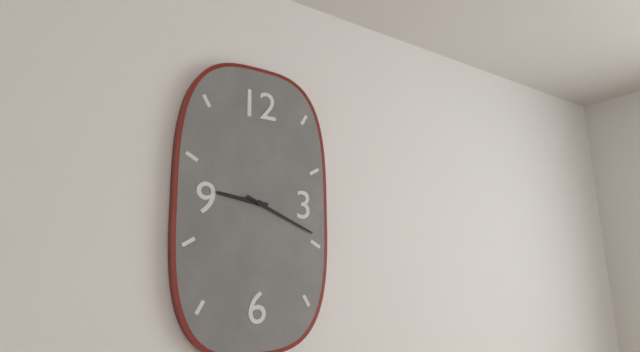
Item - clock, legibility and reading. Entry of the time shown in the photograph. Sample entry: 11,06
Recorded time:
9,19
